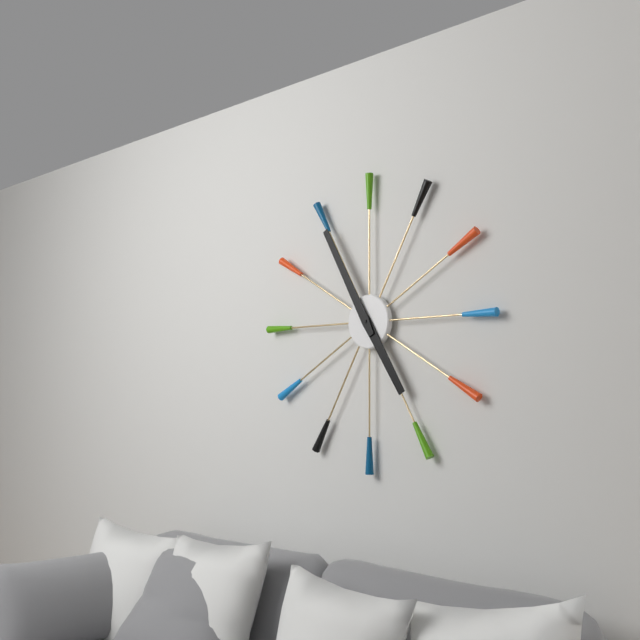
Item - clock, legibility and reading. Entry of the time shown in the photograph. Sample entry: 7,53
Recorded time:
4,55
